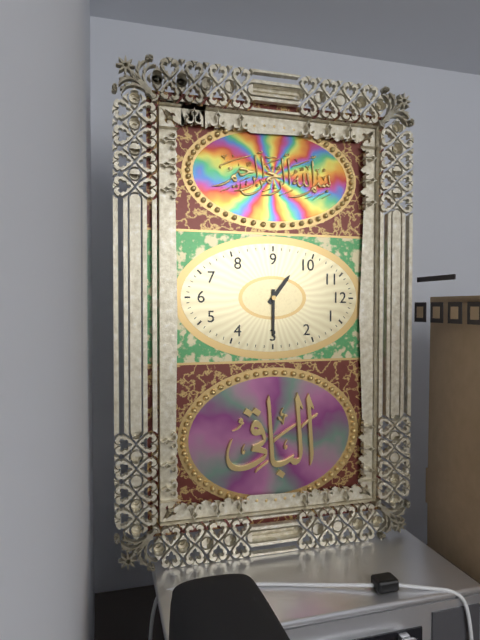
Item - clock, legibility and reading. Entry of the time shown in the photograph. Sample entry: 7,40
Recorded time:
10,15
